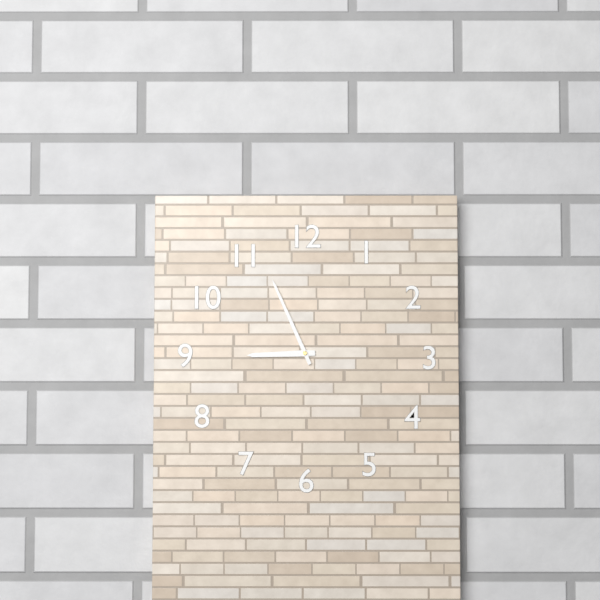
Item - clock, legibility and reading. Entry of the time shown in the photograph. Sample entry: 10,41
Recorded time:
8,56
